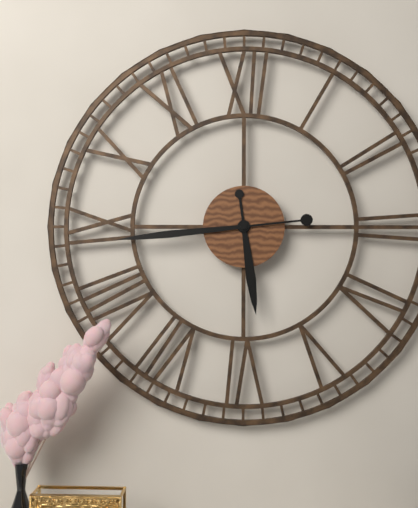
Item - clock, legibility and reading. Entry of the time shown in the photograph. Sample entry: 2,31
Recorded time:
5,44
